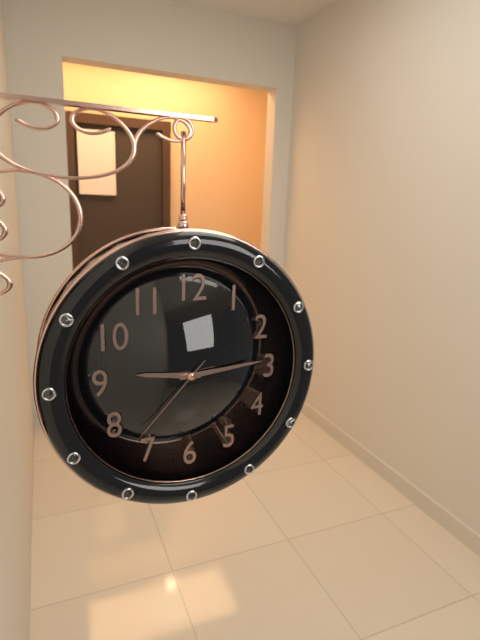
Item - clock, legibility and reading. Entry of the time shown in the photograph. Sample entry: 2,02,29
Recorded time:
9,14,37
